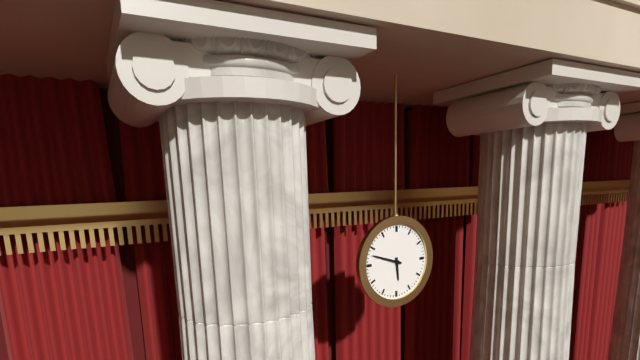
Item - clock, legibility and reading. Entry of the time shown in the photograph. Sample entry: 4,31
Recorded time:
5,48
